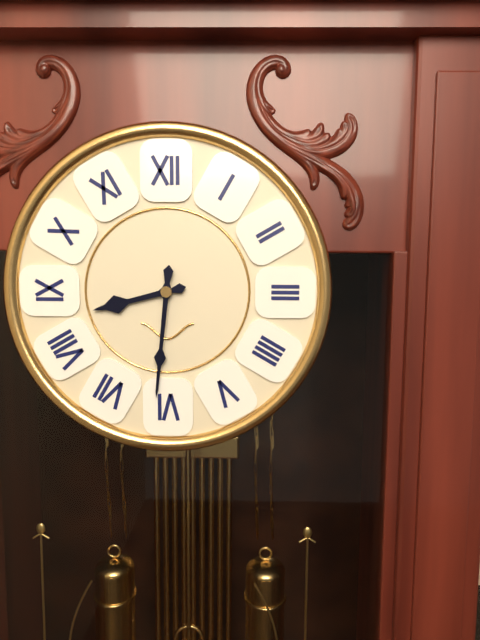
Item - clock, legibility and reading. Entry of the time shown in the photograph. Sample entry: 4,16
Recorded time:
8,31
